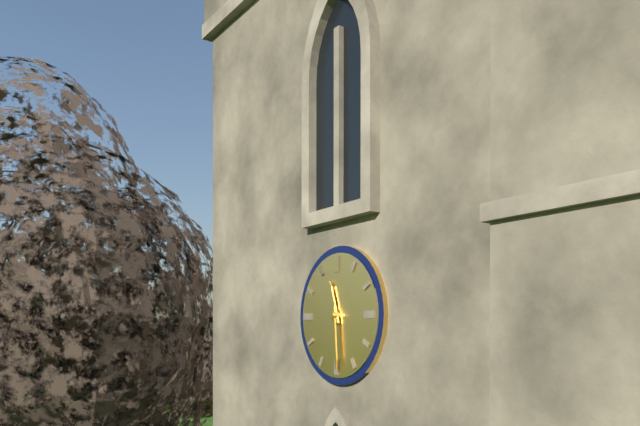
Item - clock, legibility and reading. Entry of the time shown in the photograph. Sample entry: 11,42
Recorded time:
11,29
